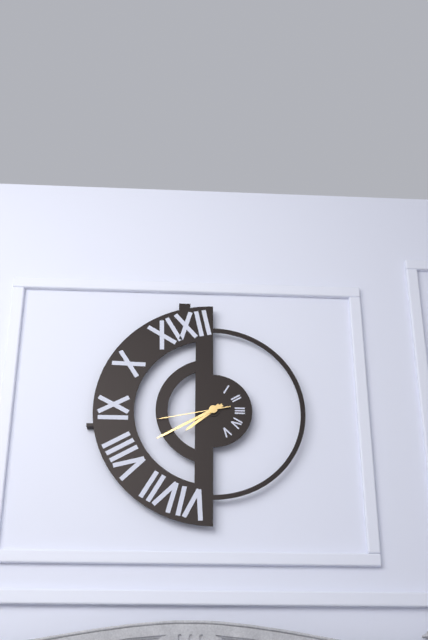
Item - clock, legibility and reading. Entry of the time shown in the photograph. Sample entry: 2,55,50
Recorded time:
7,40,43
